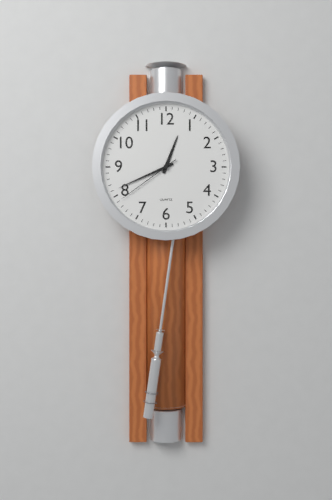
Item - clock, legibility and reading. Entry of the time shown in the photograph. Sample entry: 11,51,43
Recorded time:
12,41,39
